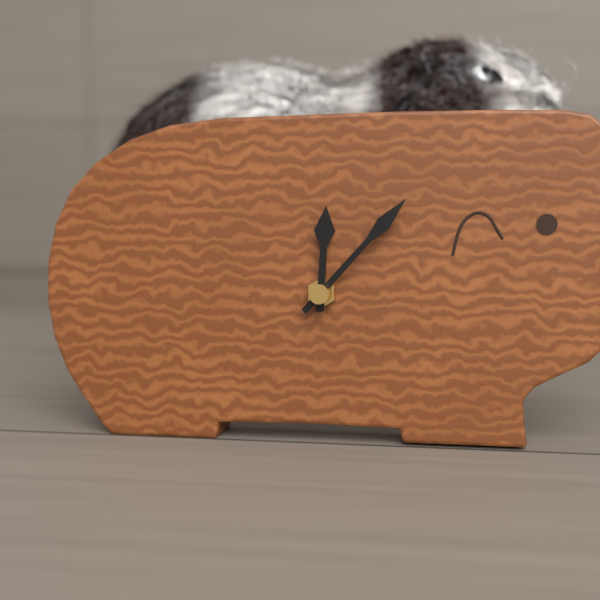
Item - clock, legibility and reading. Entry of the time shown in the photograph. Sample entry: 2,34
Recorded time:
12,07
